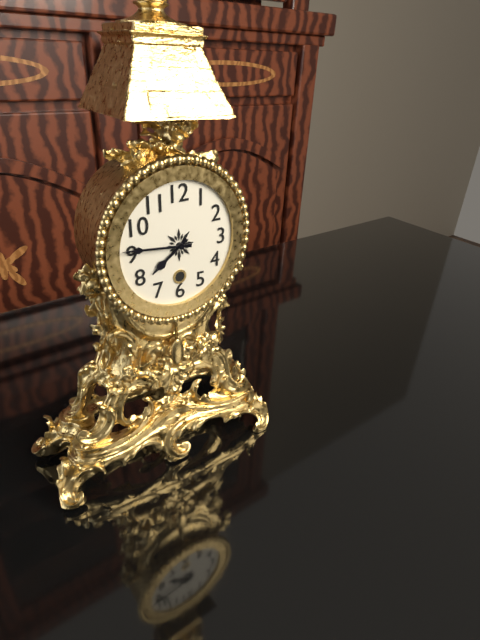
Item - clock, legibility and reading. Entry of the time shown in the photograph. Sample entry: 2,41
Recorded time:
7,46
